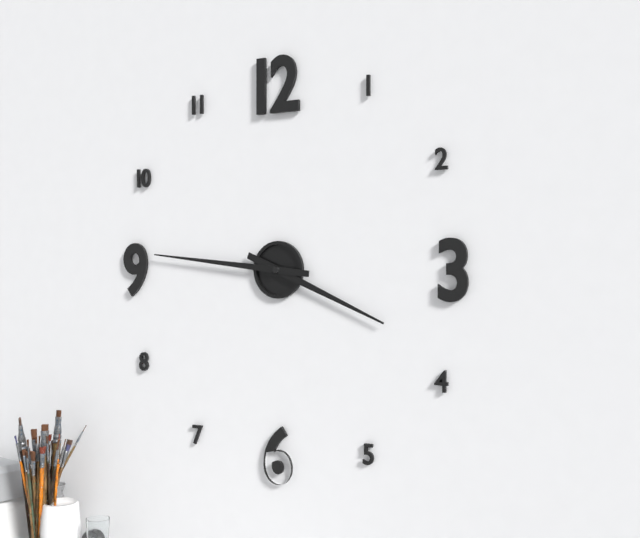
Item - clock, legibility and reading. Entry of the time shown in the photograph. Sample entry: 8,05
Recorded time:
3,46
